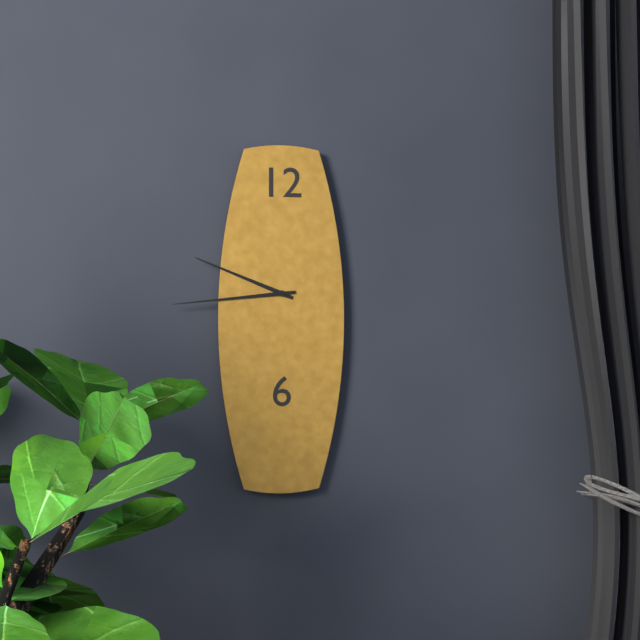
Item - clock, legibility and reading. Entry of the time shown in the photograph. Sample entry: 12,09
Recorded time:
9,44
